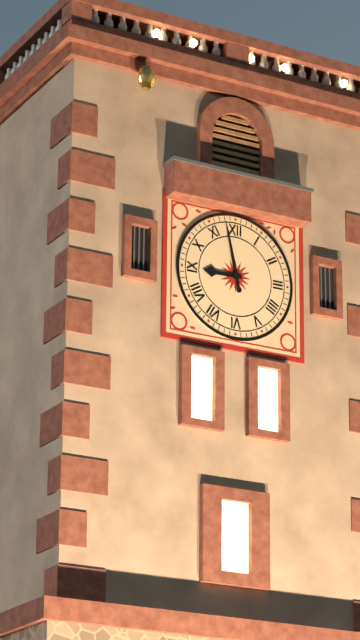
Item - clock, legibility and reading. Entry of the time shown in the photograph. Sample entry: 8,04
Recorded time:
8,58
